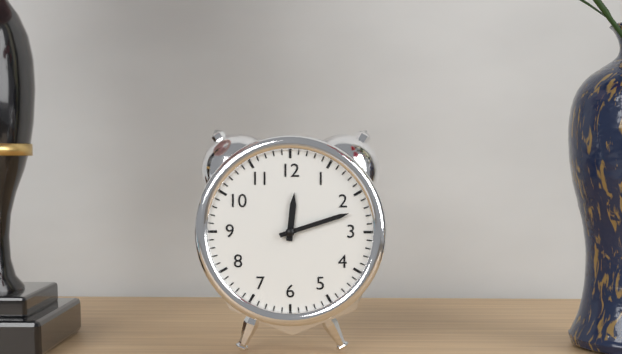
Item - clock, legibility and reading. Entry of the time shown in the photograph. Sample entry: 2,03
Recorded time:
12,12
